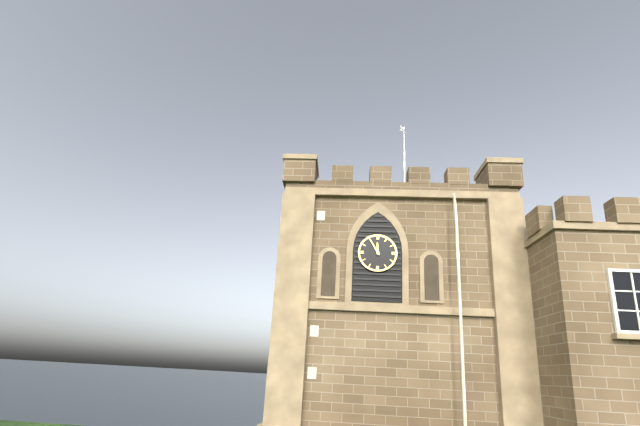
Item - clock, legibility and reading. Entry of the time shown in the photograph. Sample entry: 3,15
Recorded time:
11,55
